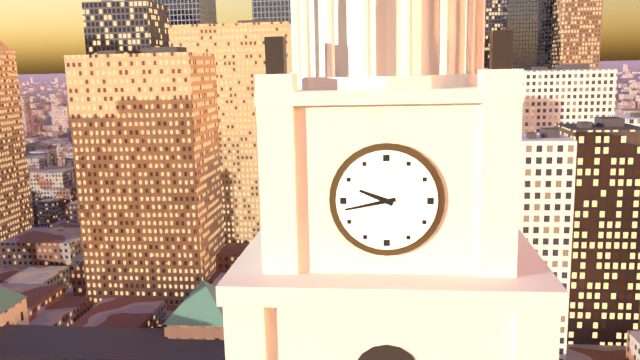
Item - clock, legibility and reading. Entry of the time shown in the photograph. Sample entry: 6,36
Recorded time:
9,43
